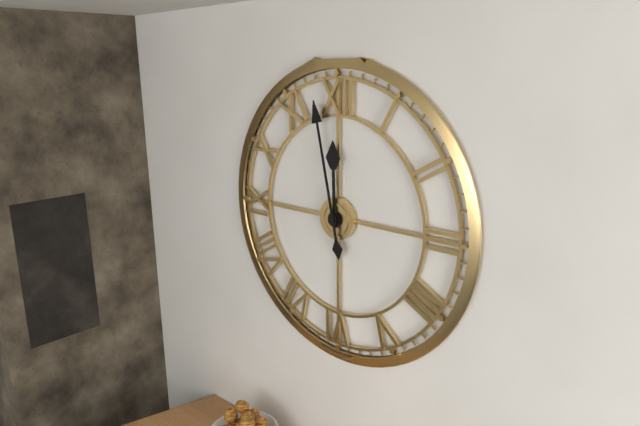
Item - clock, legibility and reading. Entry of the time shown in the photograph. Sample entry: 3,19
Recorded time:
11,58
